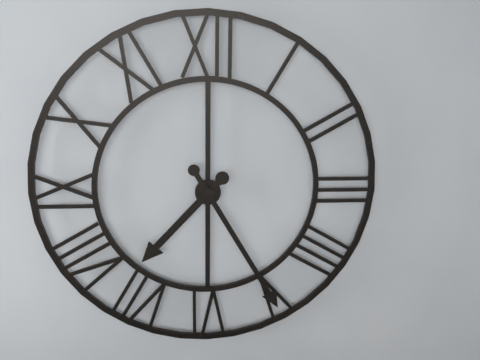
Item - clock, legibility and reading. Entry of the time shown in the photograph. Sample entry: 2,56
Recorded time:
7,25
